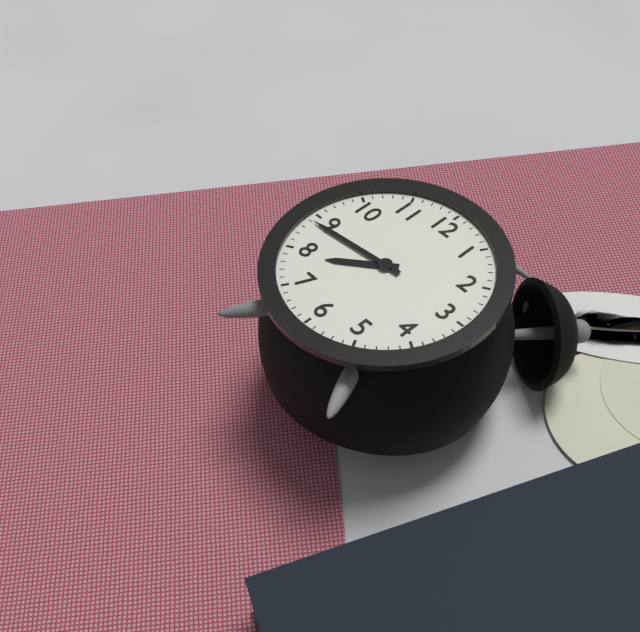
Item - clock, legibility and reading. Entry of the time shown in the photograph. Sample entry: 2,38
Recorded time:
7,44
